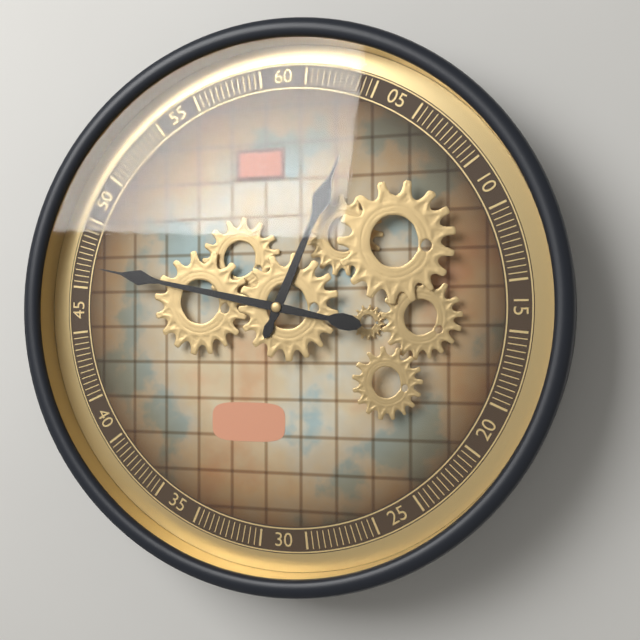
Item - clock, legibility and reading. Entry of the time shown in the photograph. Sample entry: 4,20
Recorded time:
12,47
